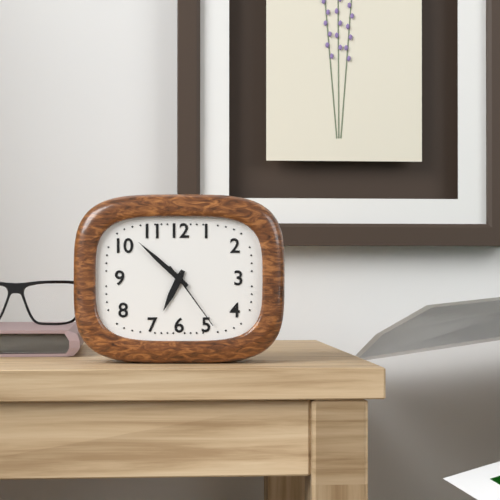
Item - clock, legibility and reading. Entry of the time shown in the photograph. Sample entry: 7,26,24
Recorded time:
6,52,24
